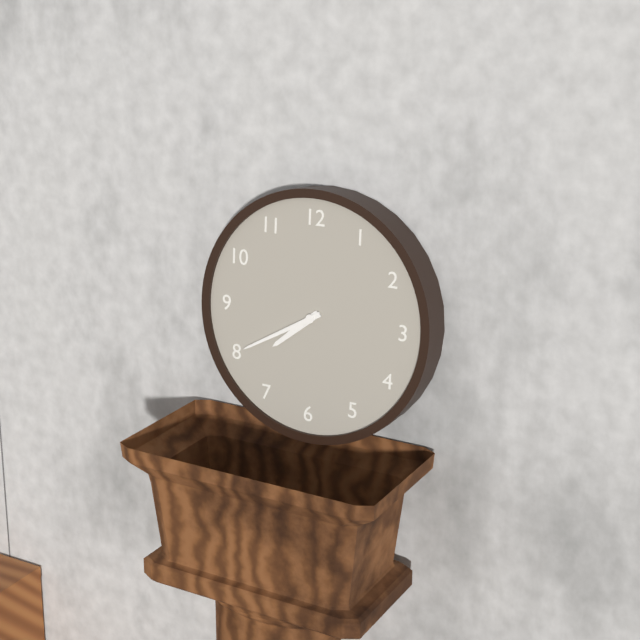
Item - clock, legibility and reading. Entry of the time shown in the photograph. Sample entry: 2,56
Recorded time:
7,40
